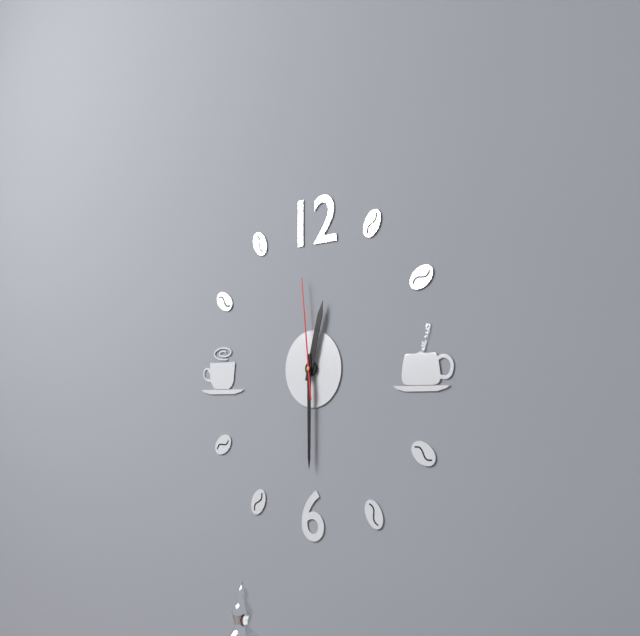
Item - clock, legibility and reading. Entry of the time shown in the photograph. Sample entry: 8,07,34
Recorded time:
12,30,59
